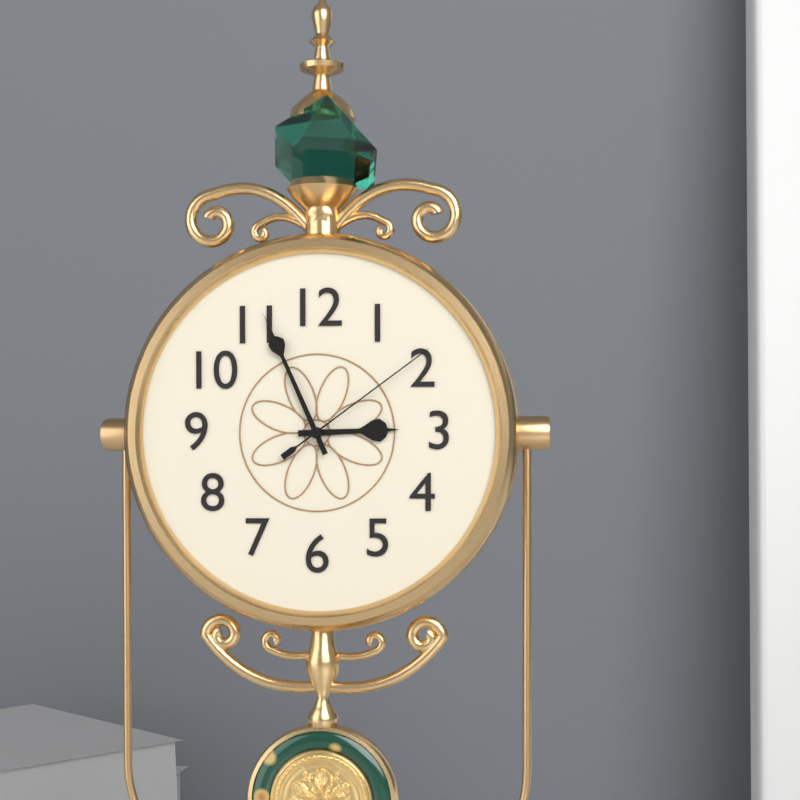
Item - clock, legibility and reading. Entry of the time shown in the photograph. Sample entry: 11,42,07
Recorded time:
2,56,09
